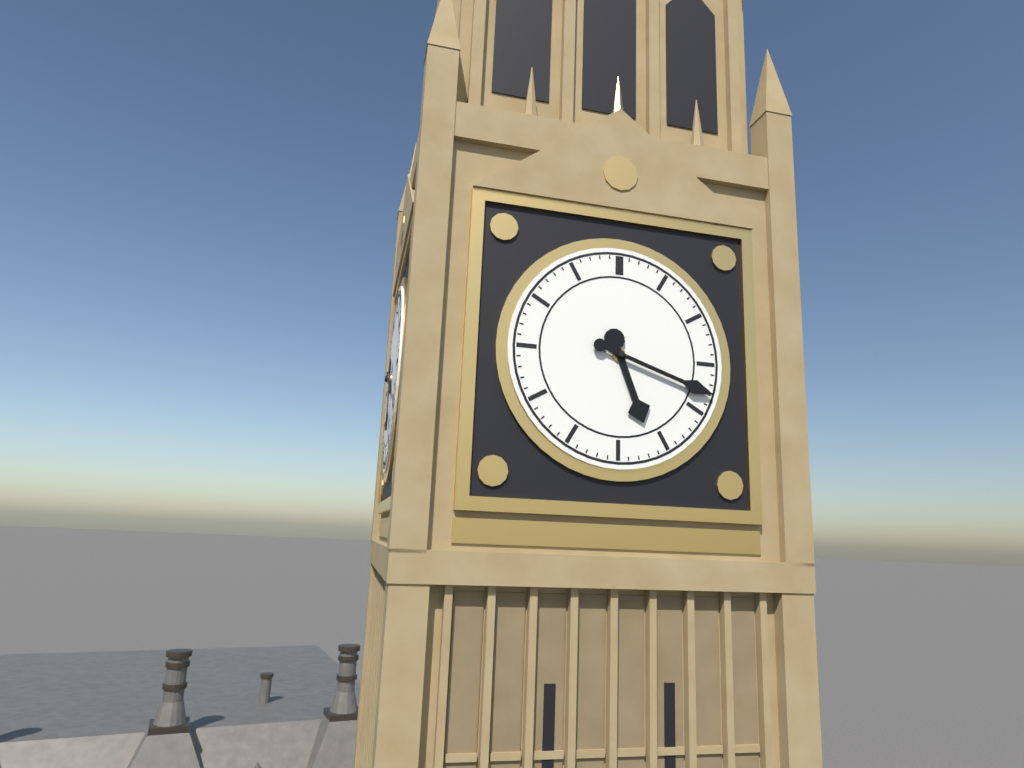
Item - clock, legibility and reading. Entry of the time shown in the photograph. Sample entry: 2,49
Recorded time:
5,18
